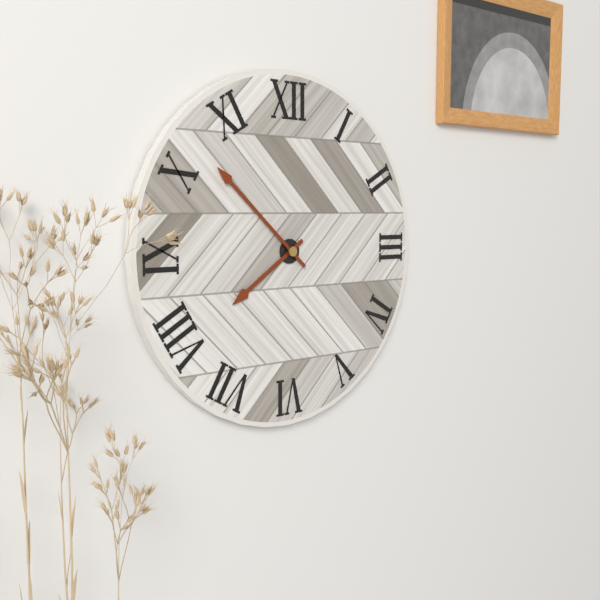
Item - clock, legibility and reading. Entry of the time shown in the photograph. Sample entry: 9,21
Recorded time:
7,52
